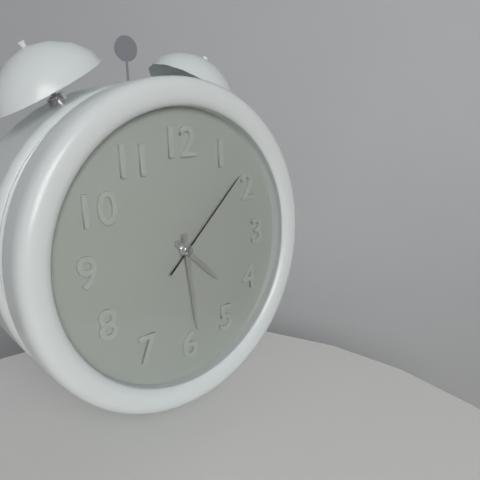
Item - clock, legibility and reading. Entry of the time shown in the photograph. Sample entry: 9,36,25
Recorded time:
4,29,08
